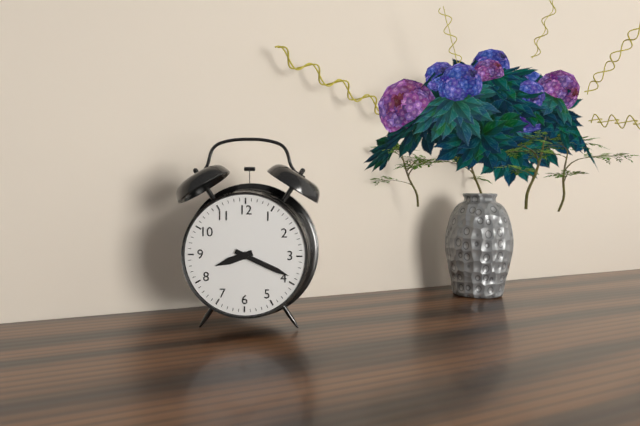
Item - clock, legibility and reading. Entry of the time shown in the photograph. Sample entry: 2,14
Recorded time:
8,19
